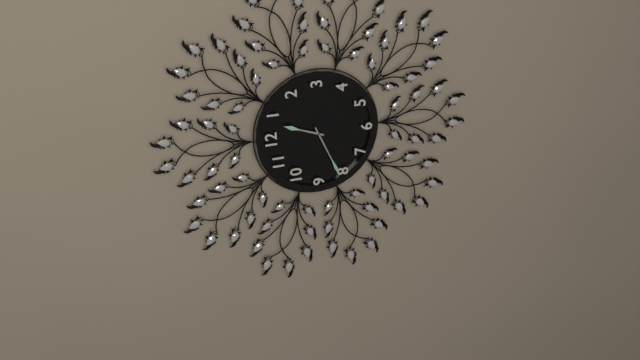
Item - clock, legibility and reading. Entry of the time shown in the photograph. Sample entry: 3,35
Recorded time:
12,41
